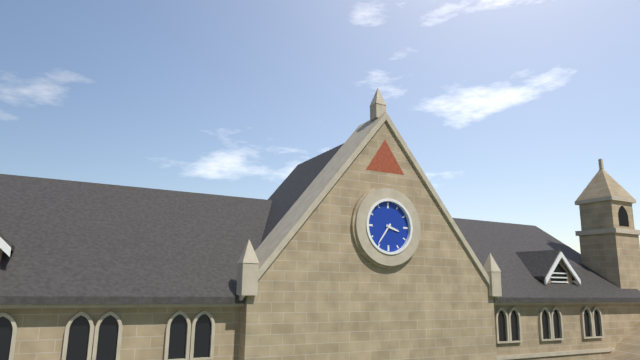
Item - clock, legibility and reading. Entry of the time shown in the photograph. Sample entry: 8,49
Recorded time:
3,36
